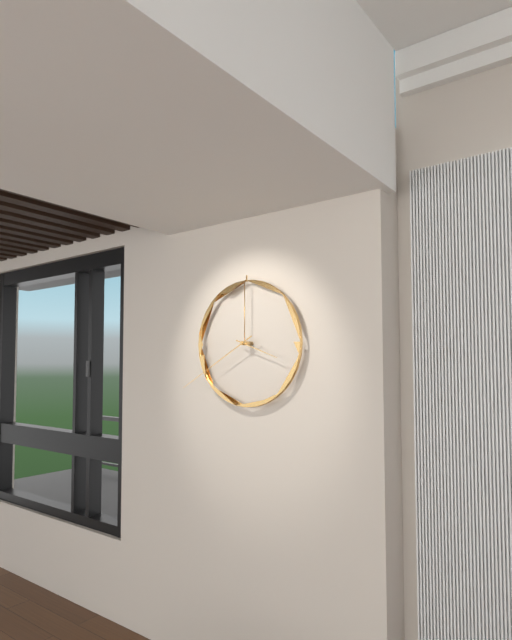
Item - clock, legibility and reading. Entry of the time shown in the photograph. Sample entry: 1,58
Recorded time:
3,40
